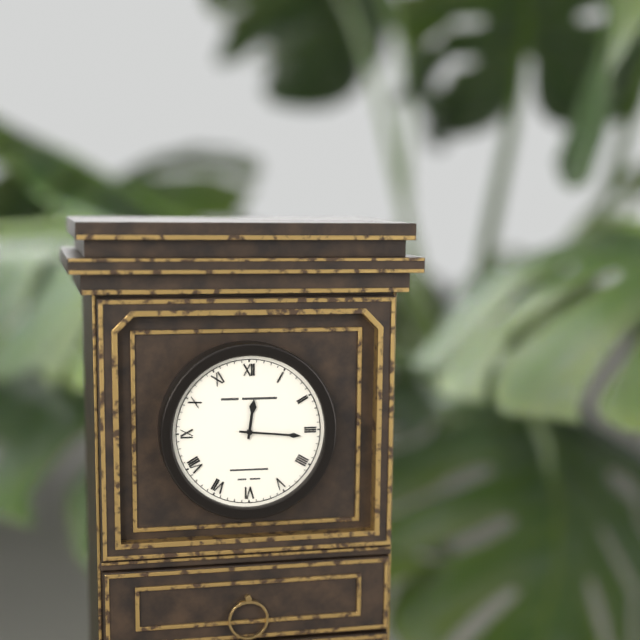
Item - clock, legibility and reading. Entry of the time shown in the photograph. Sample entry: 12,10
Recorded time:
12,16
